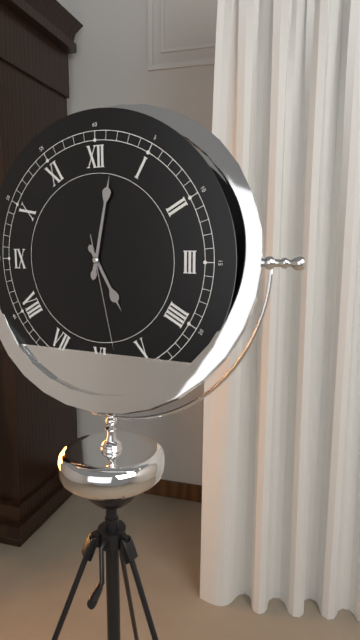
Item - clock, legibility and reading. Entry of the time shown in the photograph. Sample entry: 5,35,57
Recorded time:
5,02,28
